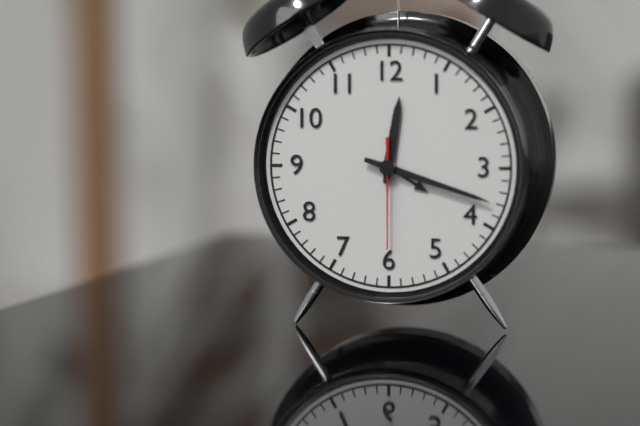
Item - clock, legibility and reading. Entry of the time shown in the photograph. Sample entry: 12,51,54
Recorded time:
12,18,30
